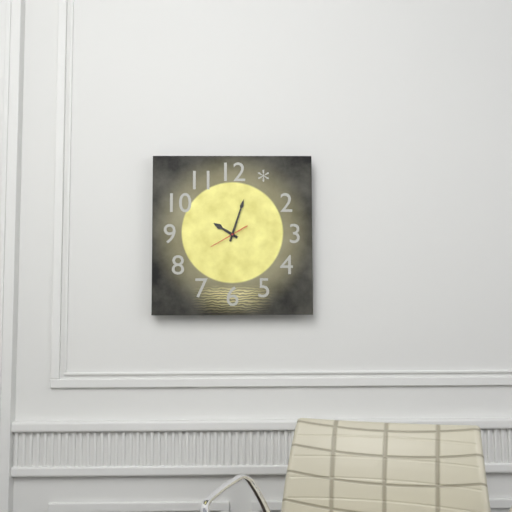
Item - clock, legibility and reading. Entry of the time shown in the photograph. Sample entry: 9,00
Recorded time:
10,03
